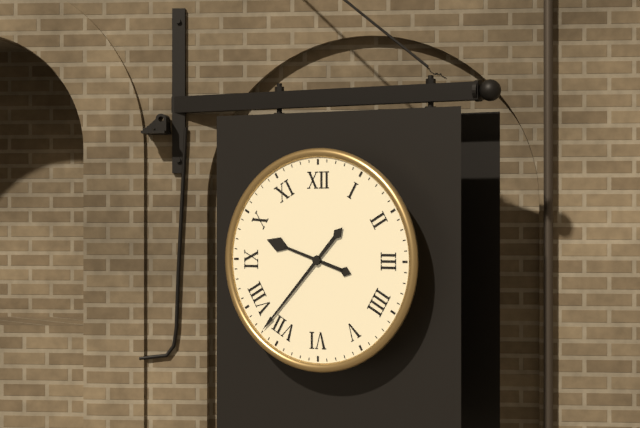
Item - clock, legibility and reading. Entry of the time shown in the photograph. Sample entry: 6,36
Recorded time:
9,37
